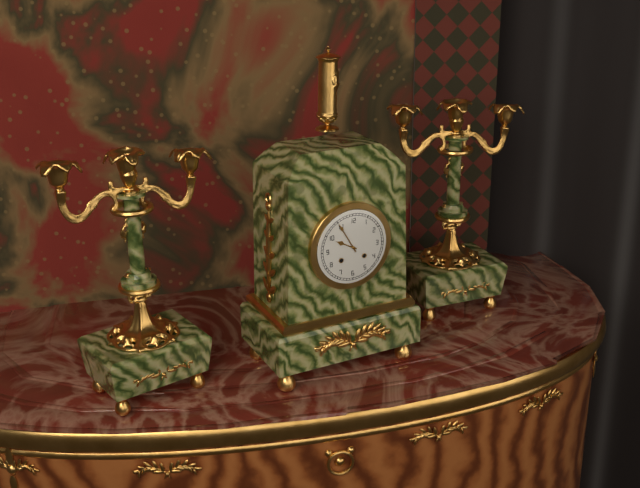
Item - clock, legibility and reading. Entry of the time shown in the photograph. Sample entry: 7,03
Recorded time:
9,55
